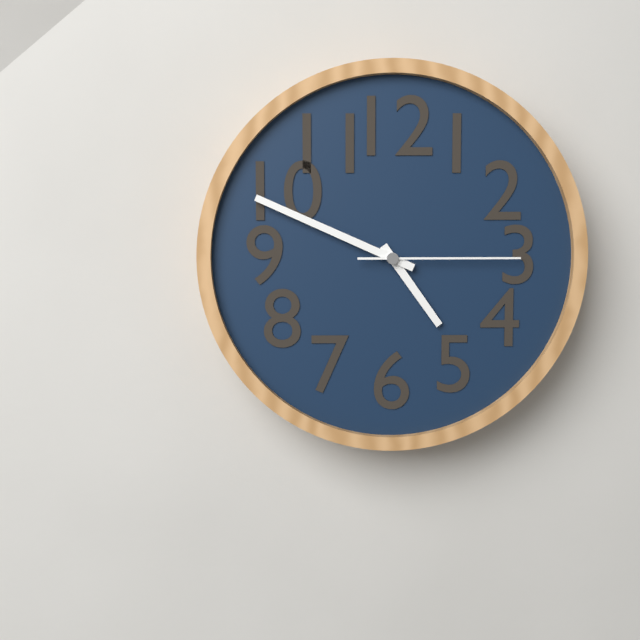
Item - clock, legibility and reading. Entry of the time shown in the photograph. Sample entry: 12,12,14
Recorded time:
4,49,15
